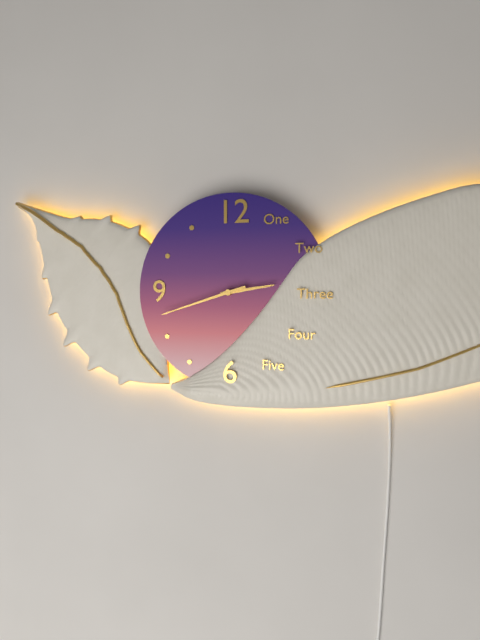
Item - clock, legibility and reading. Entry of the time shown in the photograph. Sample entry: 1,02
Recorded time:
2,42
